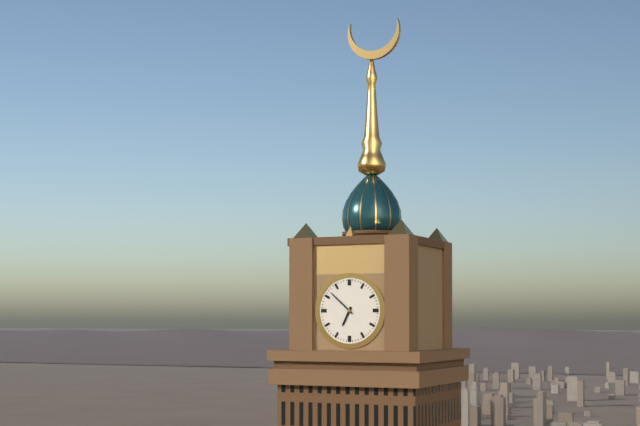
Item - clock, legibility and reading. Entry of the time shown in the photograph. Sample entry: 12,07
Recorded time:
6,52
